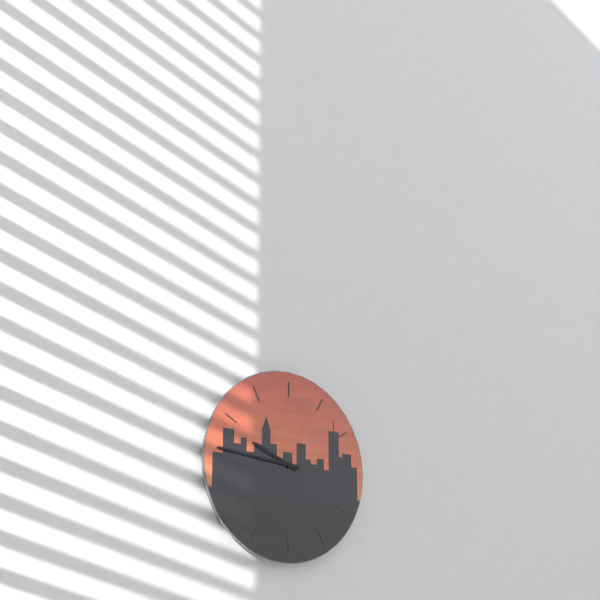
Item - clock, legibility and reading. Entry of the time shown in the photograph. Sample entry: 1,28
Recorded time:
9,46
